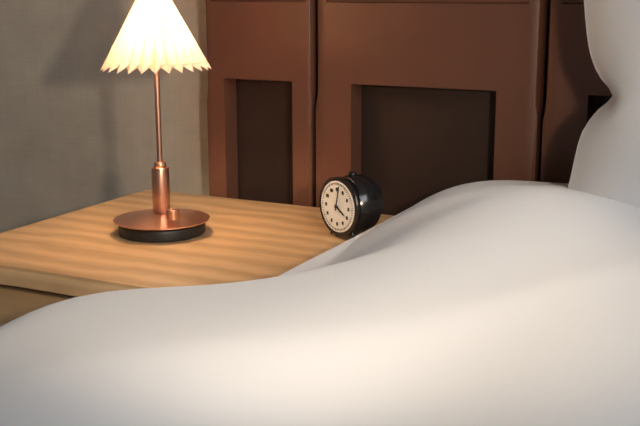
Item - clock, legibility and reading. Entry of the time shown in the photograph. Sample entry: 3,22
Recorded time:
4,02
